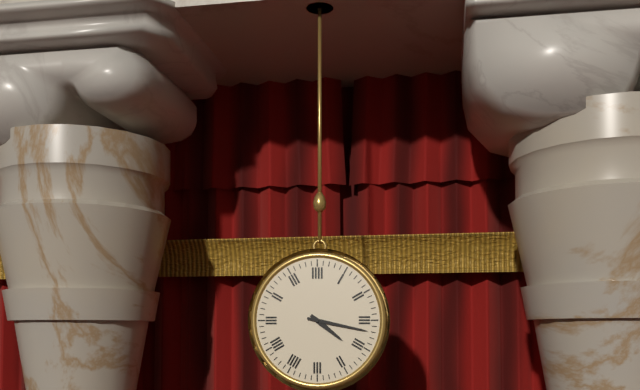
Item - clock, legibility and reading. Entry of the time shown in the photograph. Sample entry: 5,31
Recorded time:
4,17
